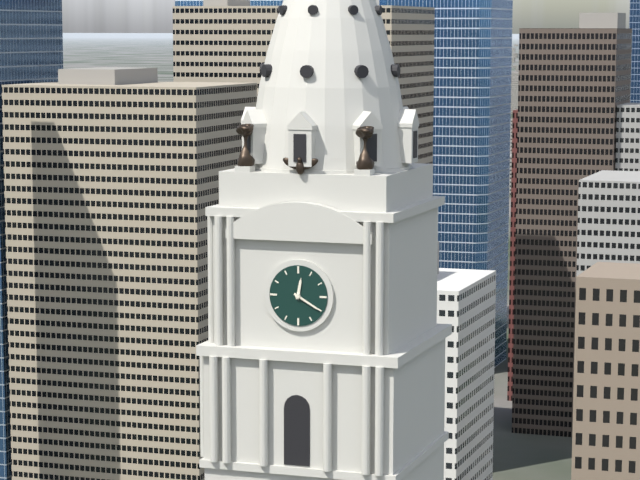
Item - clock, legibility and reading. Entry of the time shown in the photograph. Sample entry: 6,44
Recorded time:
12,20
